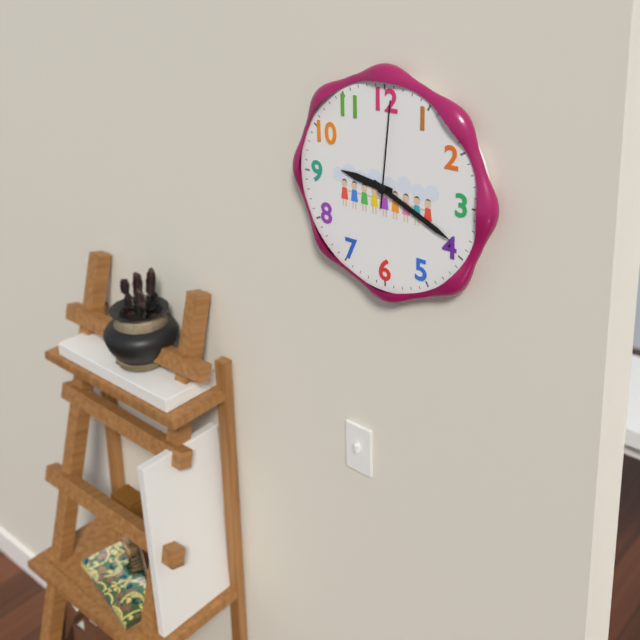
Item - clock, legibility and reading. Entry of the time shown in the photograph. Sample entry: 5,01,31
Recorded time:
9,19,01
